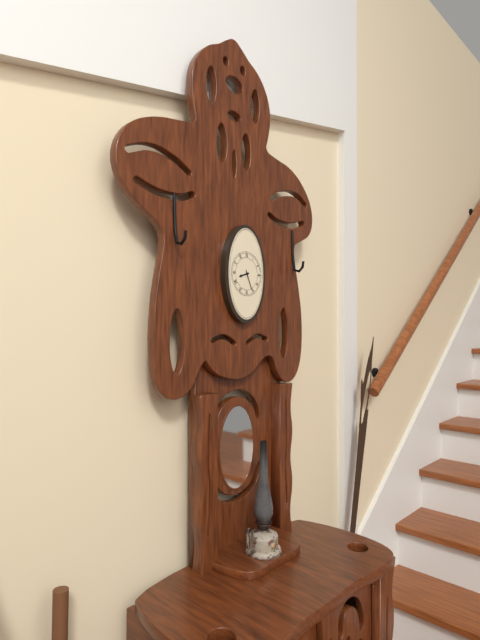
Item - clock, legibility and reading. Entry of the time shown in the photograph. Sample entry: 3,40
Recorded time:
8,26
